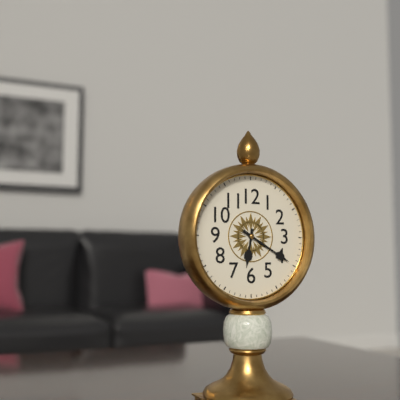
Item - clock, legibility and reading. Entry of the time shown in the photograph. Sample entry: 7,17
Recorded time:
6,20
